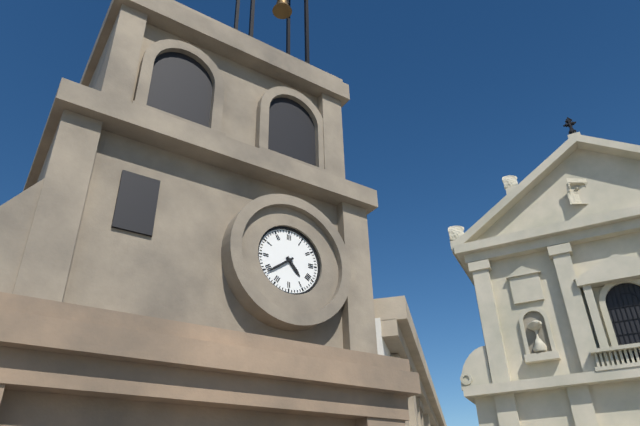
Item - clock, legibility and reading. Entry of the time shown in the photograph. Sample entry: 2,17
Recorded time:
4,39
